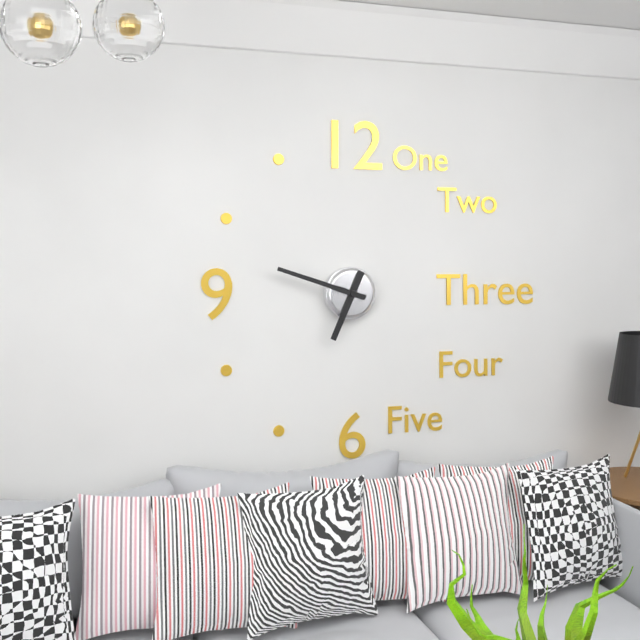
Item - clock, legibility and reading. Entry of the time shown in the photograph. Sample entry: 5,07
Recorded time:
6,48
